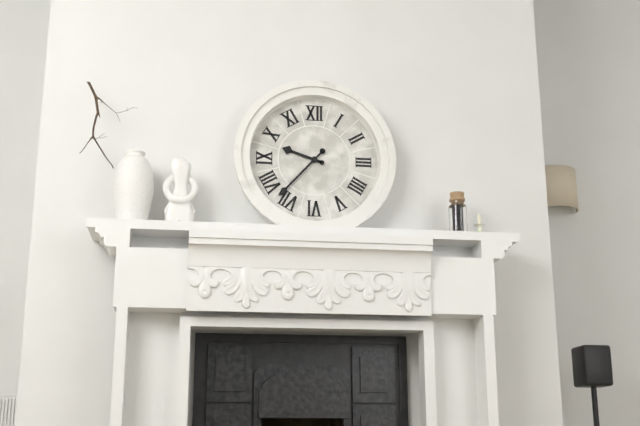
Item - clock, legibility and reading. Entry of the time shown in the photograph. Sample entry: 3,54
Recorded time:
9,37
